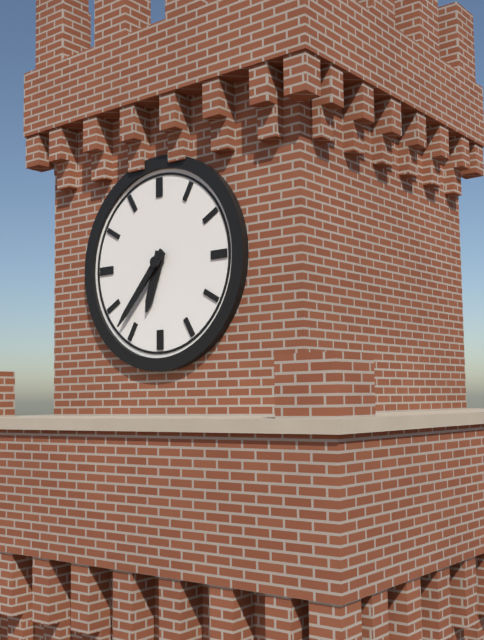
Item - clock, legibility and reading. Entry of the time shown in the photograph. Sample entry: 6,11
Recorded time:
6,37
